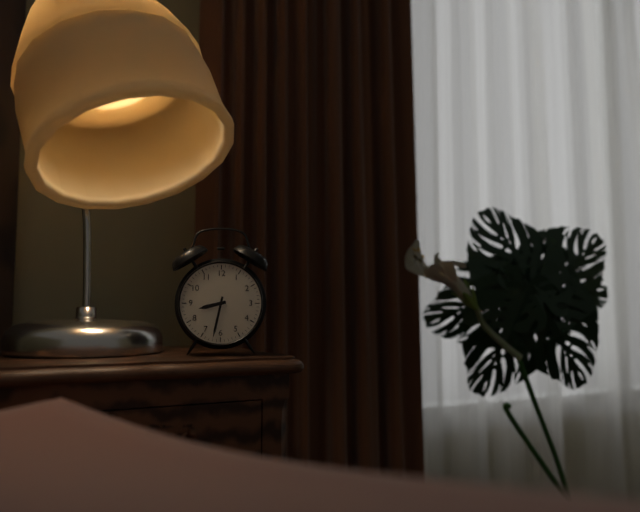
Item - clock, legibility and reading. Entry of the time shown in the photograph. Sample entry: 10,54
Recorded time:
8,32
